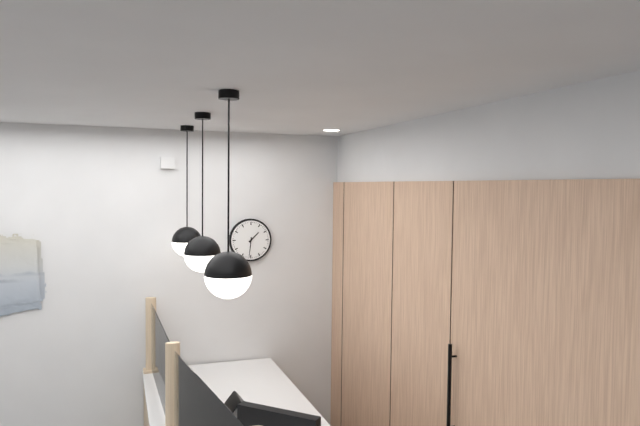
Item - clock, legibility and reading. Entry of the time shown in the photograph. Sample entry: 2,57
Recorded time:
1,31
